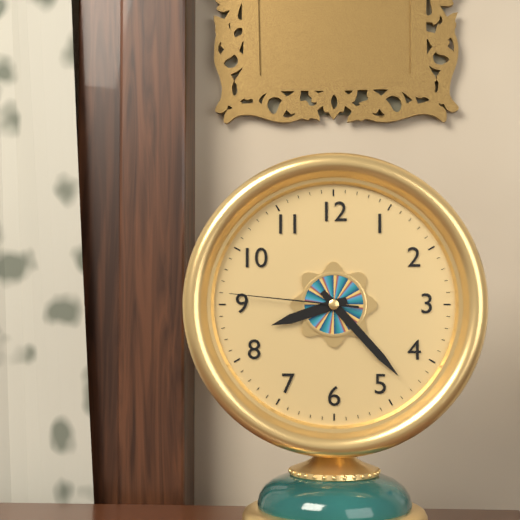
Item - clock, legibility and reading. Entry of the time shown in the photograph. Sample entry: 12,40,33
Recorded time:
8,23,46
